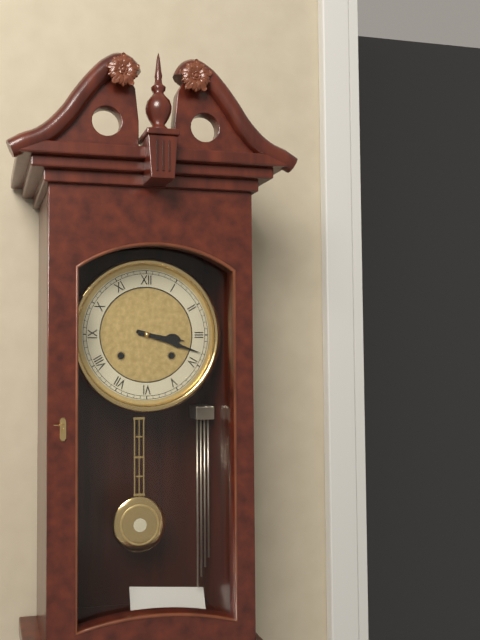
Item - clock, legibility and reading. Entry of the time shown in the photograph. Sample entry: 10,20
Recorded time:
3,18
